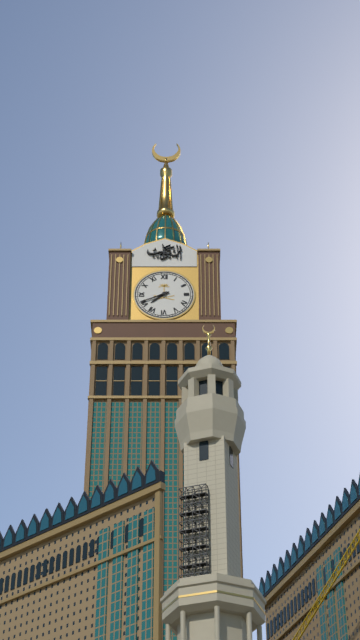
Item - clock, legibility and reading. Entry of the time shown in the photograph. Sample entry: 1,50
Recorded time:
7,41
